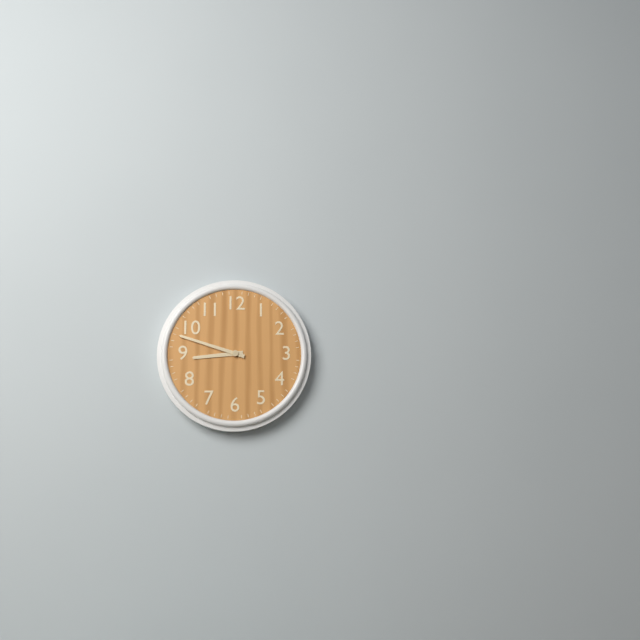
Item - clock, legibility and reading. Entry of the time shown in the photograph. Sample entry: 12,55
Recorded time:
8,48
